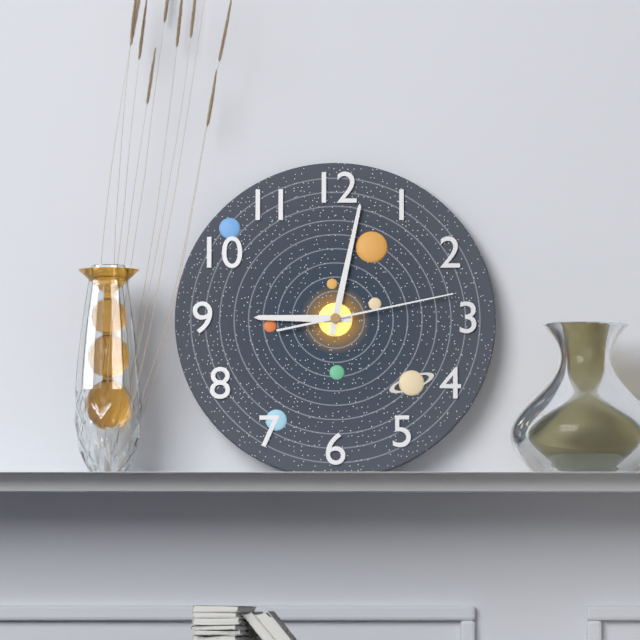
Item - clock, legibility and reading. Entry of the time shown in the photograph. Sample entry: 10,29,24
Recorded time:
9,02,13
